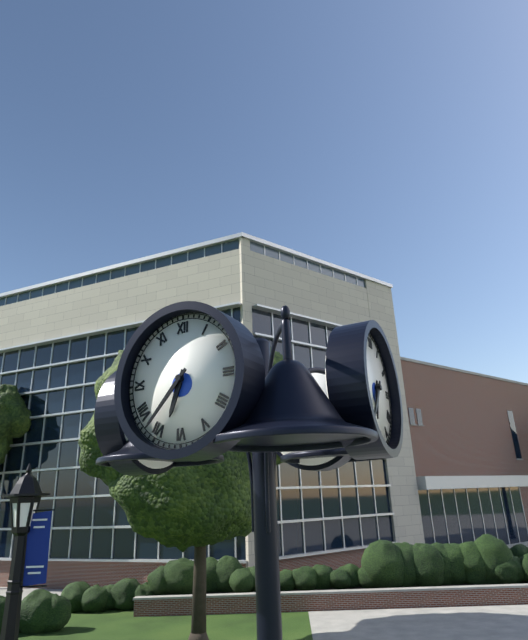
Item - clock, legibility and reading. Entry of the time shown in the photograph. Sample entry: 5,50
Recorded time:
6,37
